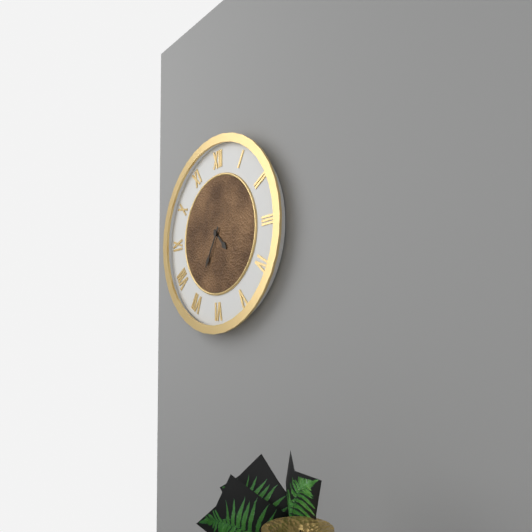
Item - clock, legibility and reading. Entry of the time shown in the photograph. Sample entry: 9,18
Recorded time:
4,35
